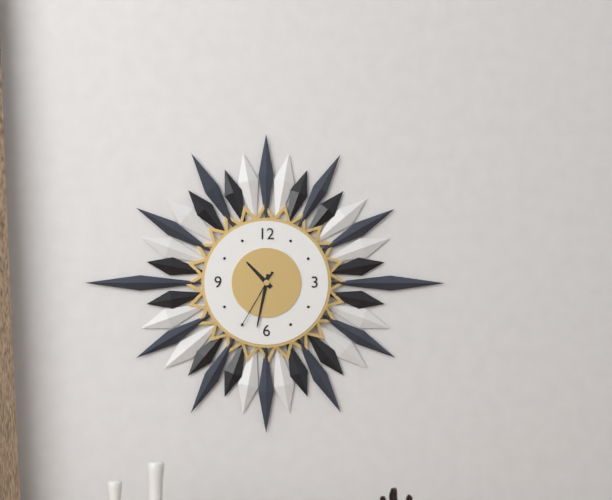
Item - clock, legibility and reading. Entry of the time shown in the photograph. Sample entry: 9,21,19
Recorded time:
10,32,35
